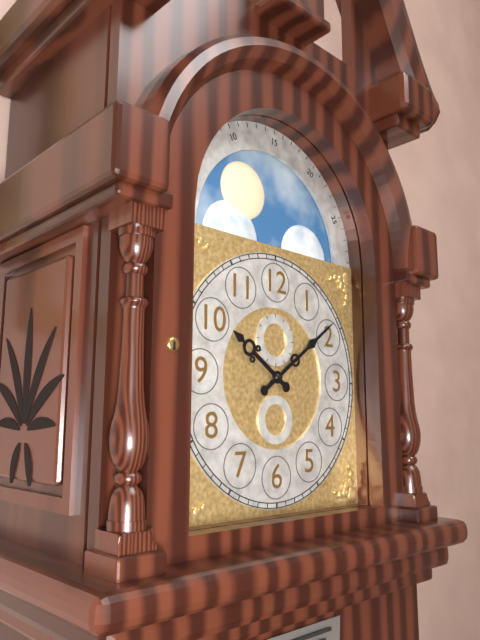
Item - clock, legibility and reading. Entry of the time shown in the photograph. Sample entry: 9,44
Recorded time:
10,09
